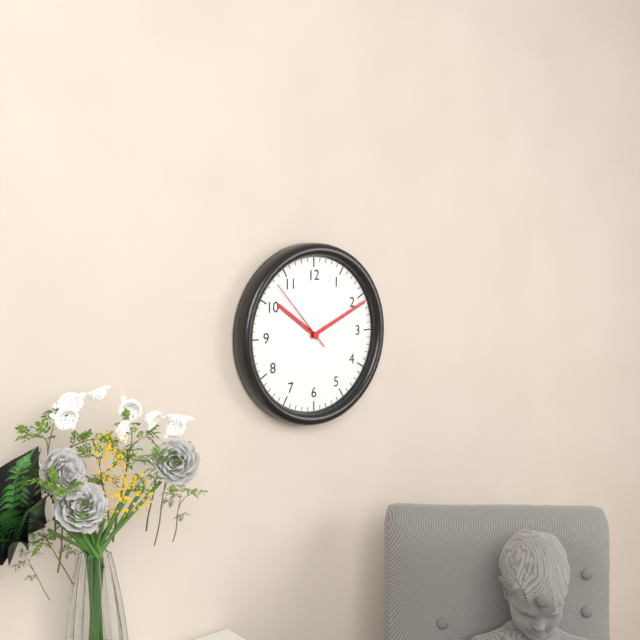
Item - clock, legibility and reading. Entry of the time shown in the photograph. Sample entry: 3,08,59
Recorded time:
10,11,53
